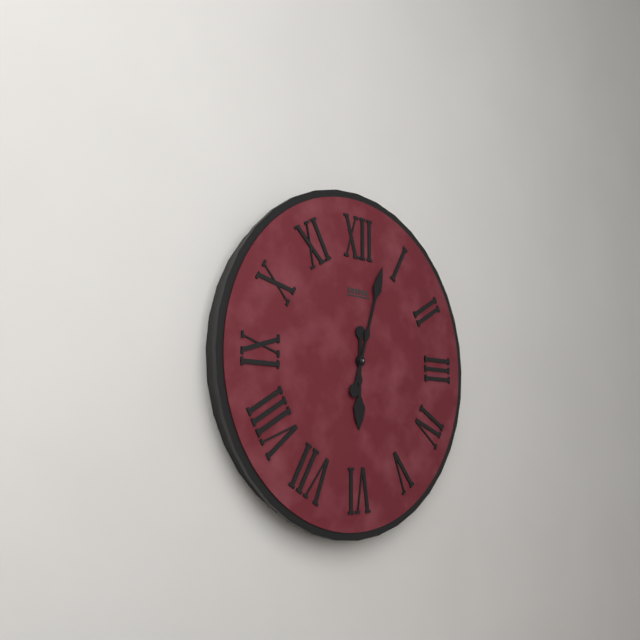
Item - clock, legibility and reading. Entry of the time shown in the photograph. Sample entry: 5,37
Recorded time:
6,03
